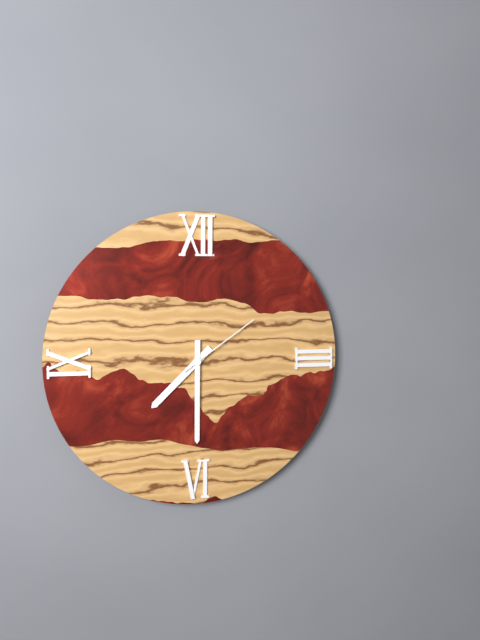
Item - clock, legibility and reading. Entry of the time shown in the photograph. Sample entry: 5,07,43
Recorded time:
7,30,09
